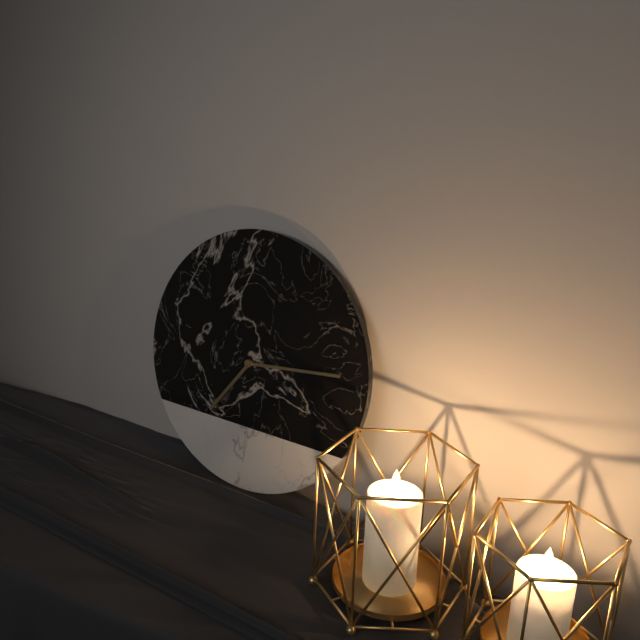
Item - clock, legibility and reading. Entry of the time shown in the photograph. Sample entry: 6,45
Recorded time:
7,14
